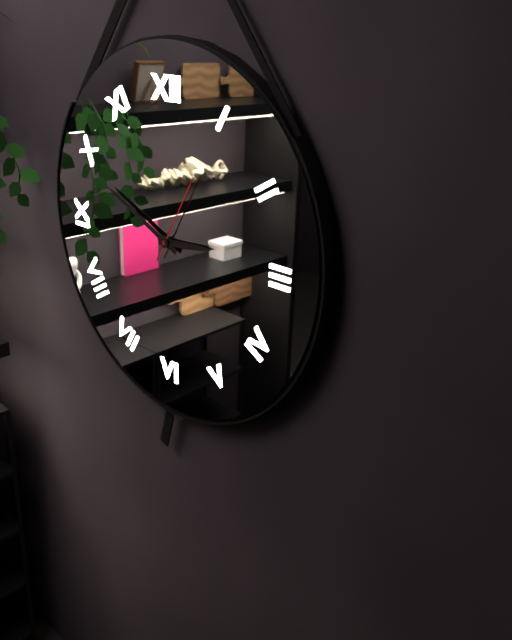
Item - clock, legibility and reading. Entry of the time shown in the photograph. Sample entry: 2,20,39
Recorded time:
2,49,05
